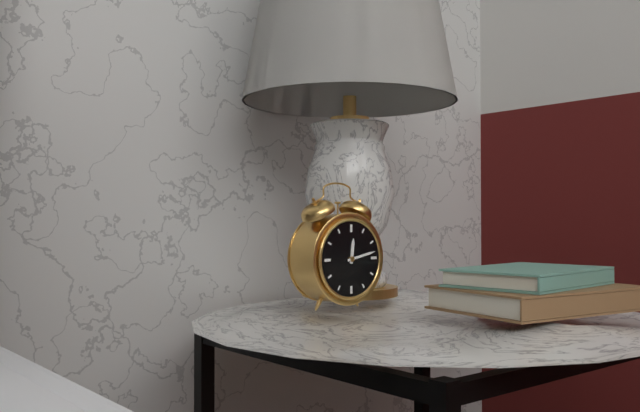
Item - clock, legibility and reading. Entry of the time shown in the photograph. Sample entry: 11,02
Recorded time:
12,13
